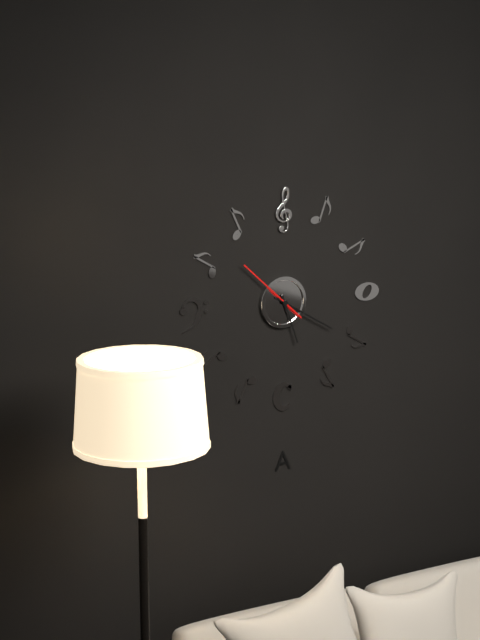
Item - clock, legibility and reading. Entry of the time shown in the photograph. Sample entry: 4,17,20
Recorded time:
5,20,52
